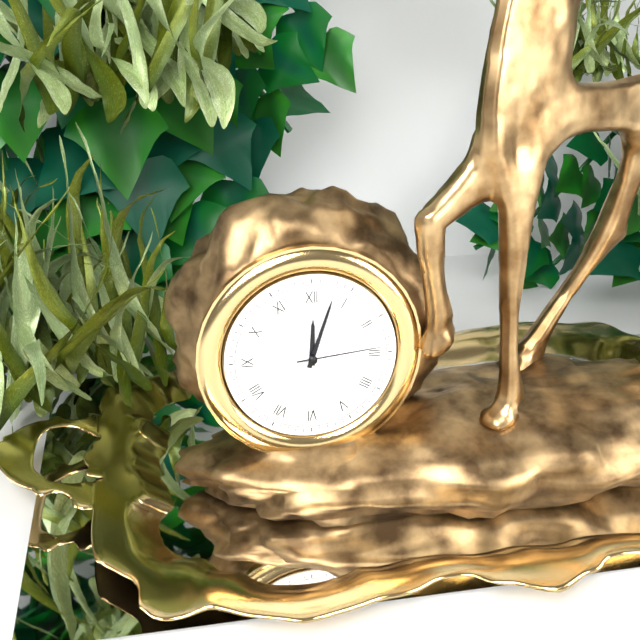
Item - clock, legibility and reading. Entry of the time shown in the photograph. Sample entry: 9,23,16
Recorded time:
12,03,14
